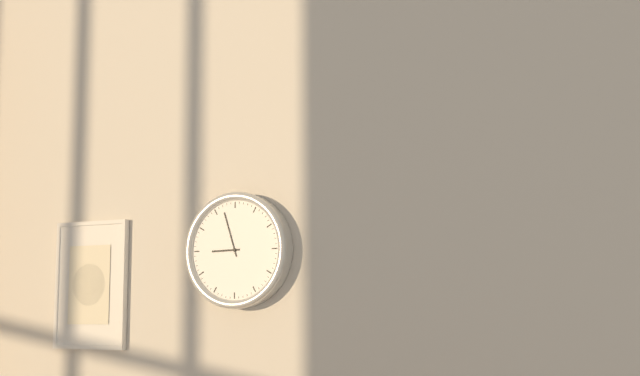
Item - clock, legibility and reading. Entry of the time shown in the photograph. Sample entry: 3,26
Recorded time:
8,57
